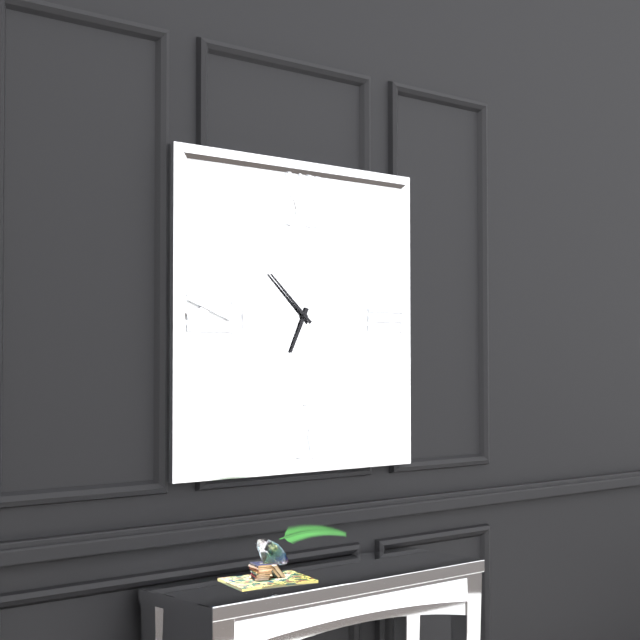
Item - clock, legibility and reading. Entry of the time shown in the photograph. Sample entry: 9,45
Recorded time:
6,52
